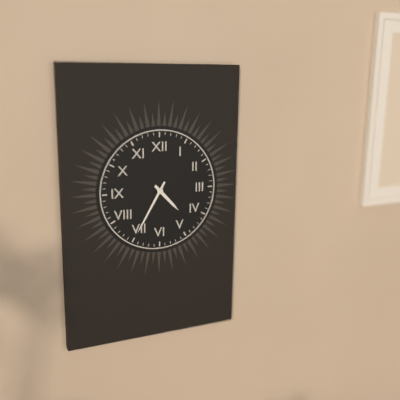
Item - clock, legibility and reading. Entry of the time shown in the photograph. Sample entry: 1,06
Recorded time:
4,35
